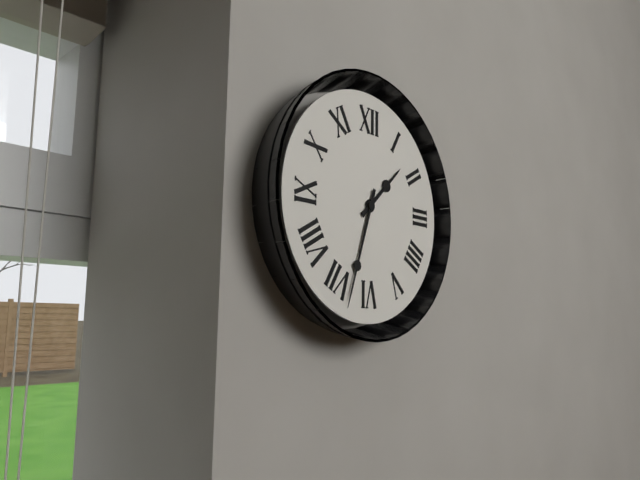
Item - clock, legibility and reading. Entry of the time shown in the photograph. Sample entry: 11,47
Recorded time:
1,33
